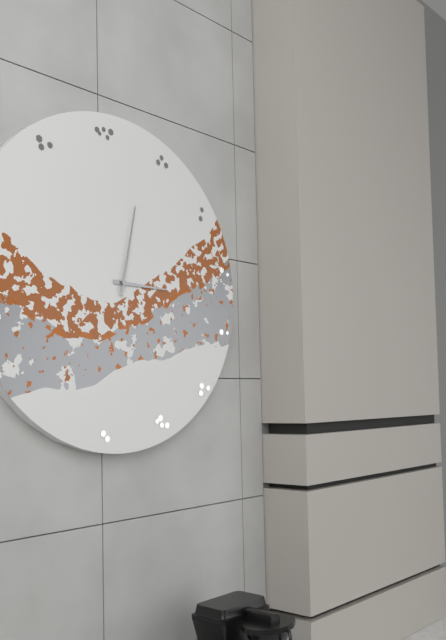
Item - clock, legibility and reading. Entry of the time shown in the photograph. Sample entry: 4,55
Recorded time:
3,02
